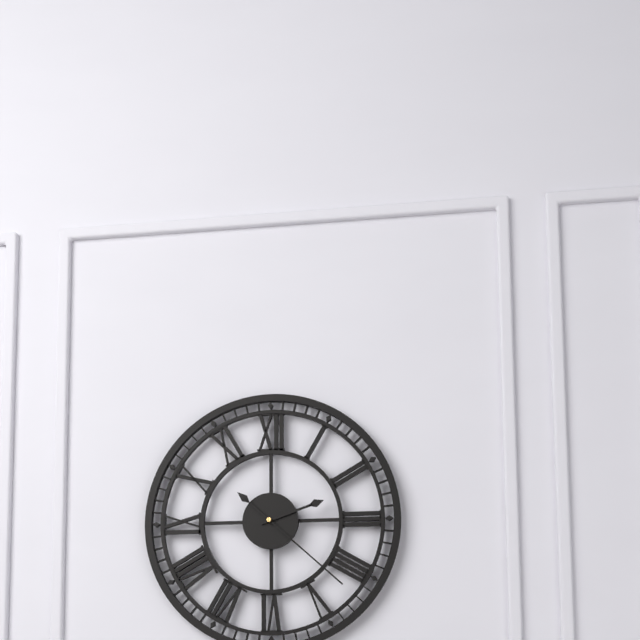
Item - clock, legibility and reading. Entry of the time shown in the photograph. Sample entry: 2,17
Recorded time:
2,22
